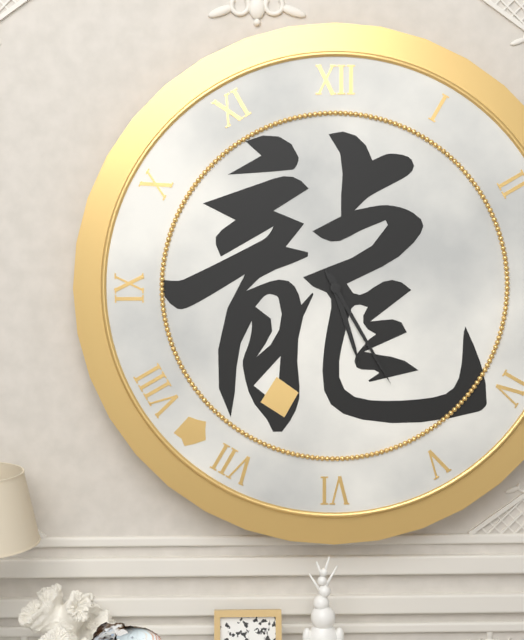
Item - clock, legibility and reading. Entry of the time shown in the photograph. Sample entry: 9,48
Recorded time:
5,25
